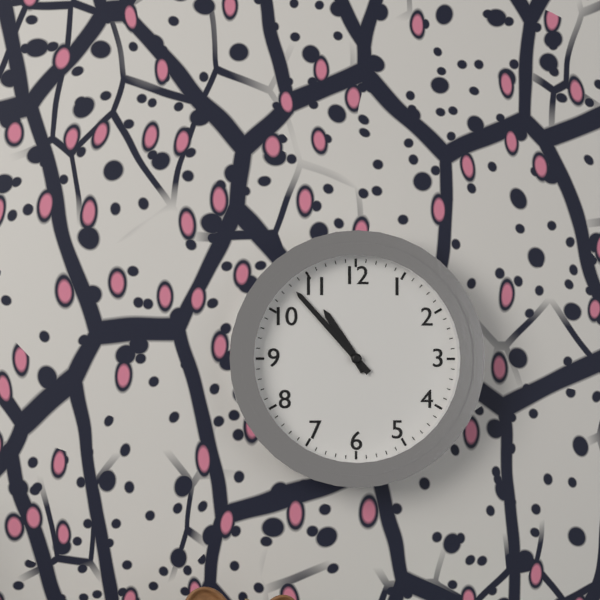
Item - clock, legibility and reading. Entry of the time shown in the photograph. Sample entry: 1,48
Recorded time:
10,53
